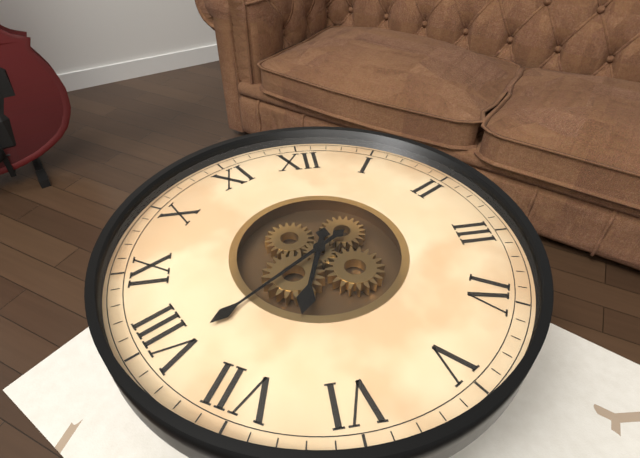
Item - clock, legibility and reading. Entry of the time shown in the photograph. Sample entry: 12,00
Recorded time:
6,39
